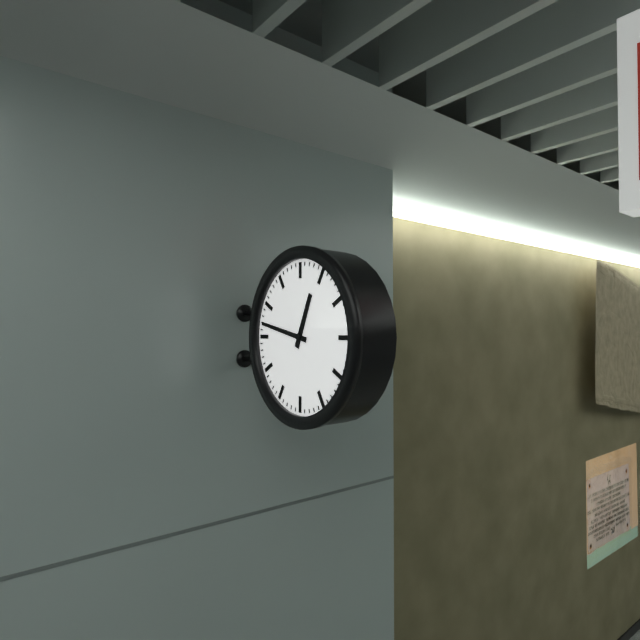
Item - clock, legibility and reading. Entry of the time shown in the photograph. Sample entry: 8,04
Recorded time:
12,47
